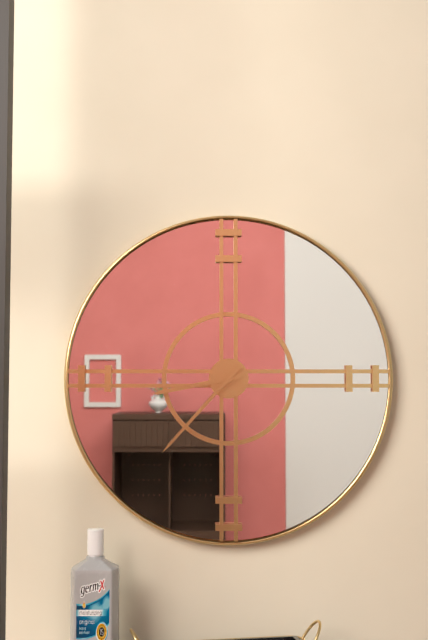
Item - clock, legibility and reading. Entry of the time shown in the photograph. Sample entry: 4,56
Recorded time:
8,37
